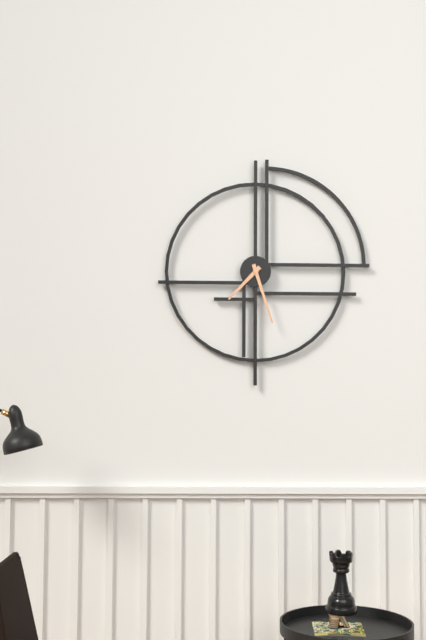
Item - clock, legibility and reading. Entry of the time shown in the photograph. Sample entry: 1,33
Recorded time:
7,27
